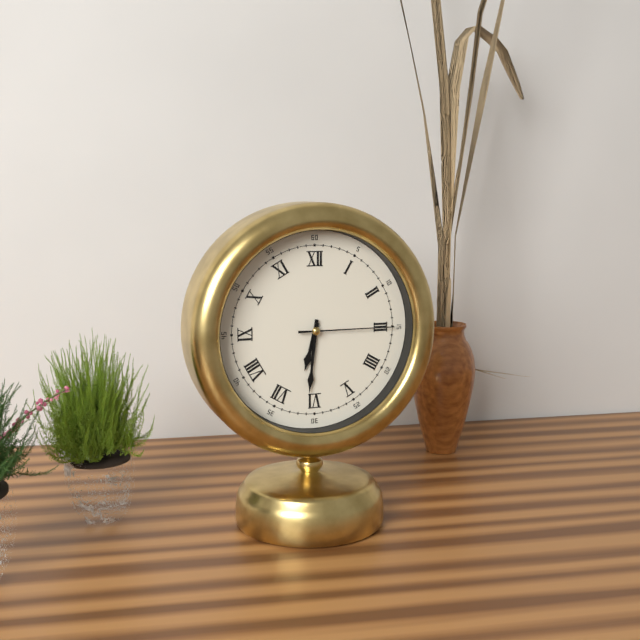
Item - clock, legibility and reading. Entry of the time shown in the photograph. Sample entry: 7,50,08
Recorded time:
6,31,15
